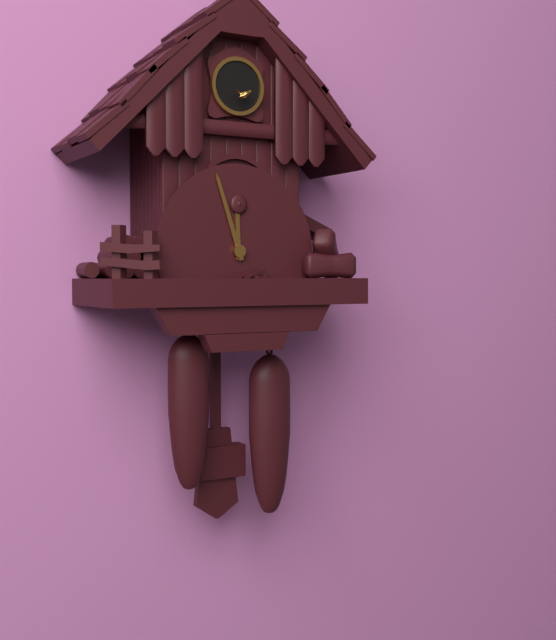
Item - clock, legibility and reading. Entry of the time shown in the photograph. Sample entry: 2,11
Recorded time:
11,57
